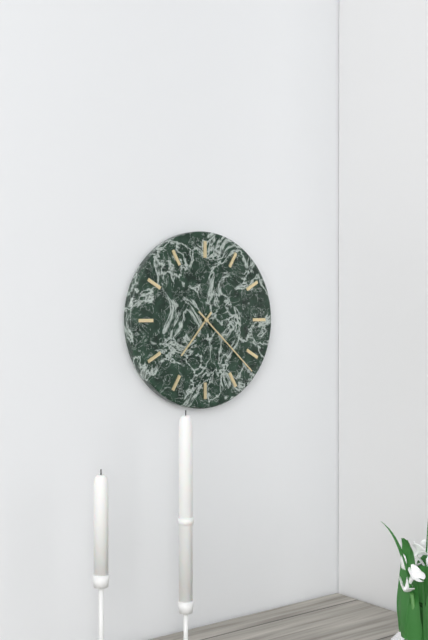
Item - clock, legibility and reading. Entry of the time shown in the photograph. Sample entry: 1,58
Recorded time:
7,22
